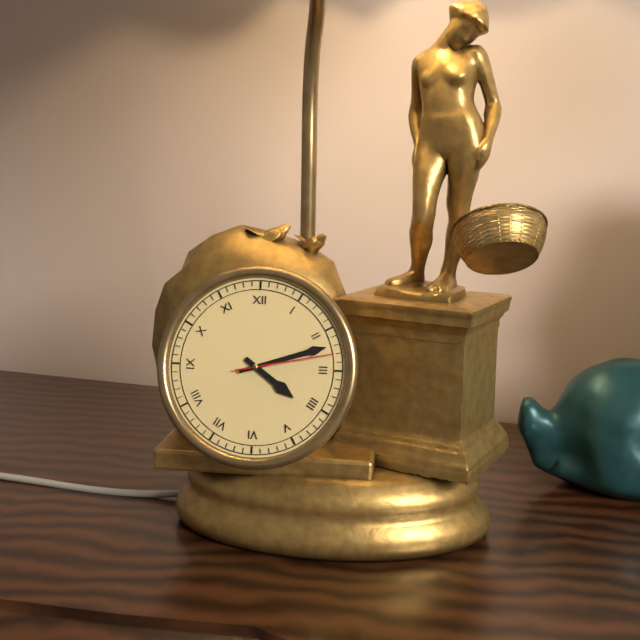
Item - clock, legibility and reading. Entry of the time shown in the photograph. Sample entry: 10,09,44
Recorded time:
4,12,13
